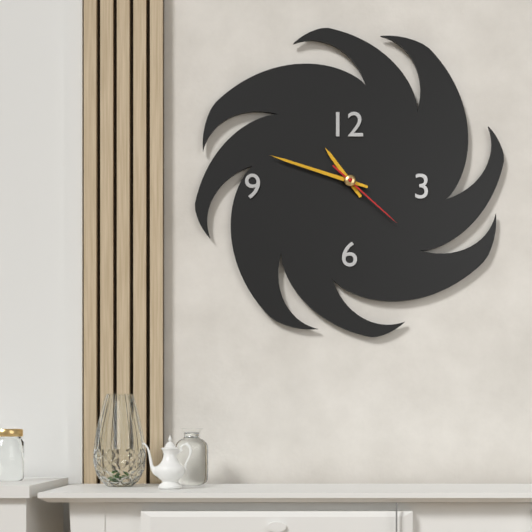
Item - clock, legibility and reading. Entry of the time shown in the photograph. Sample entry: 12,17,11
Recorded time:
10,48,22
